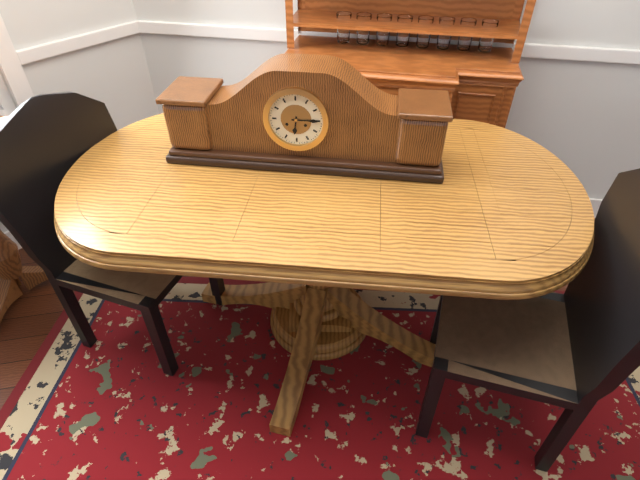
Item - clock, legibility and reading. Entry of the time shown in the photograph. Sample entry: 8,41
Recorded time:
6,15
